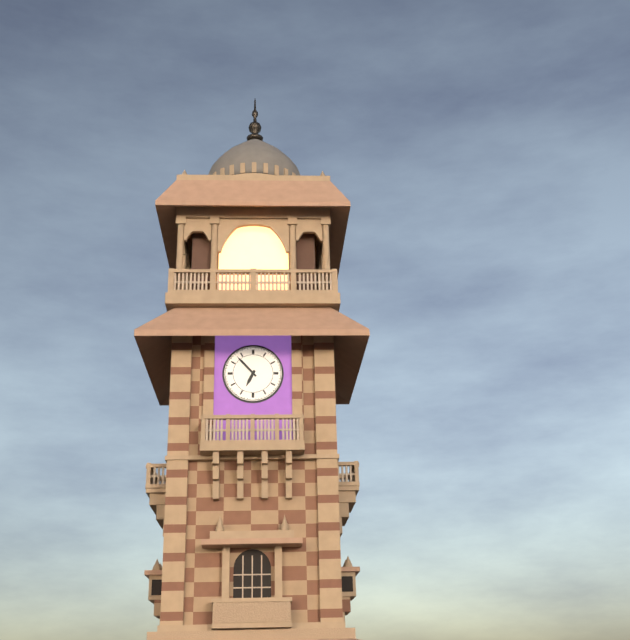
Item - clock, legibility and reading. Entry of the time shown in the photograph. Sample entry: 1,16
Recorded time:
6,53
